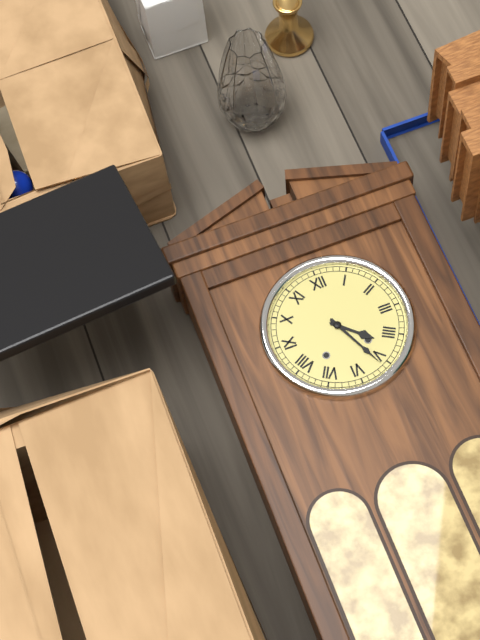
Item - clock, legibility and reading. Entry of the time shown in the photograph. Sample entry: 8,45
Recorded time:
4,26
